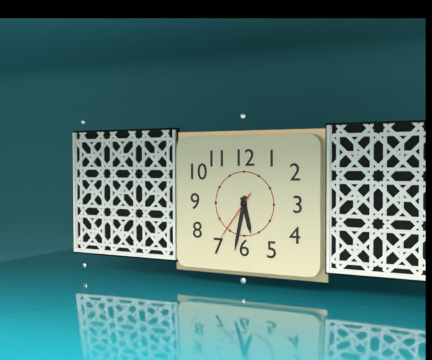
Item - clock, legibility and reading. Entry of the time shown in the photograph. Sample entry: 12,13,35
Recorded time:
5,32,36
